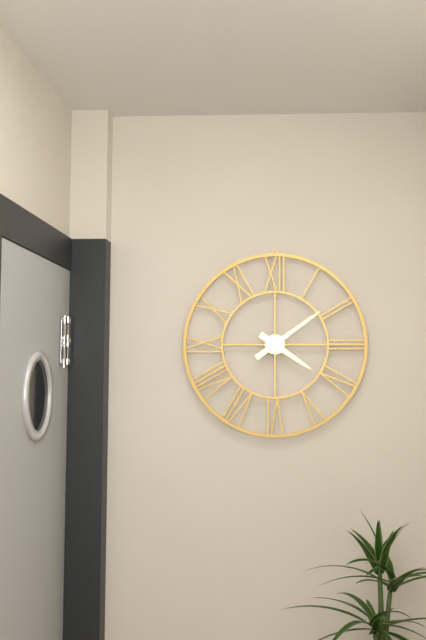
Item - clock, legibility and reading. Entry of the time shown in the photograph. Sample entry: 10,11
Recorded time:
4,09
